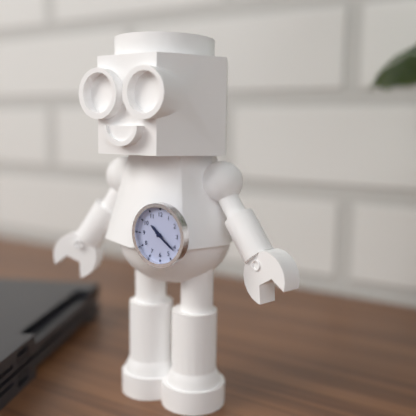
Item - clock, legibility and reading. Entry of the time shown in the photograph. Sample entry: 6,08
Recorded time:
10,21
